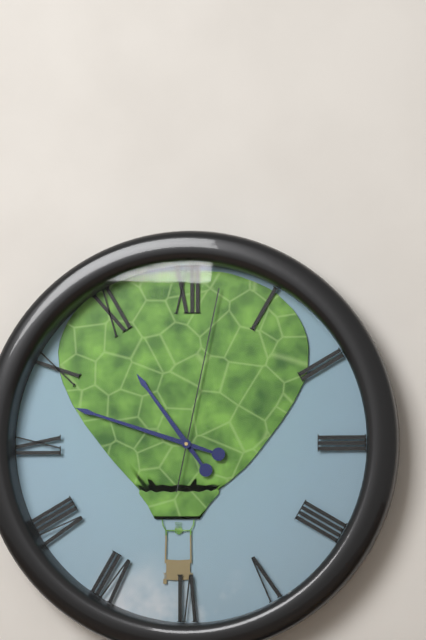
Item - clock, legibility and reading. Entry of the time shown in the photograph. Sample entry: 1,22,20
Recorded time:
10,48,02
